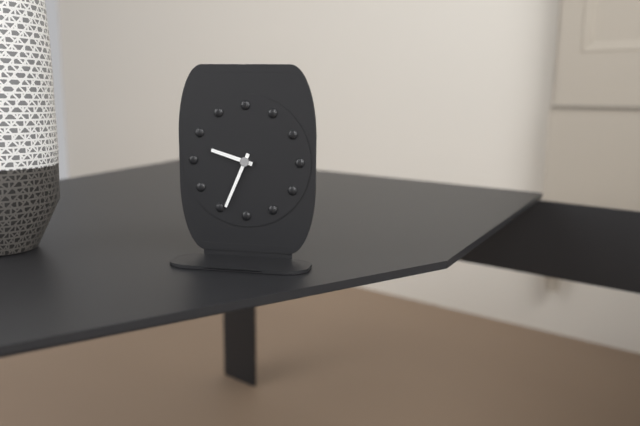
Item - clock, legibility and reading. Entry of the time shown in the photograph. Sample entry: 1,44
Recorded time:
9,34
